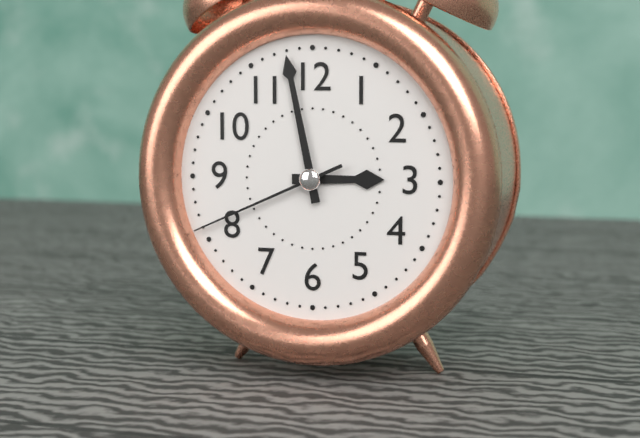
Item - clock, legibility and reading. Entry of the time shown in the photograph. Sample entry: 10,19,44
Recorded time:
2,58,41
